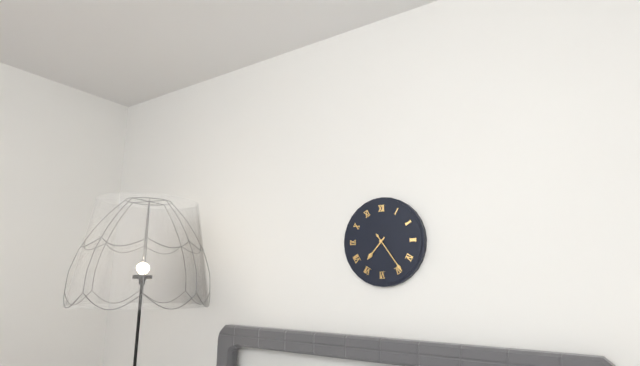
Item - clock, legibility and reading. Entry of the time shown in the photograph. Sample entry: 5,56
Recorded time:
7,24
